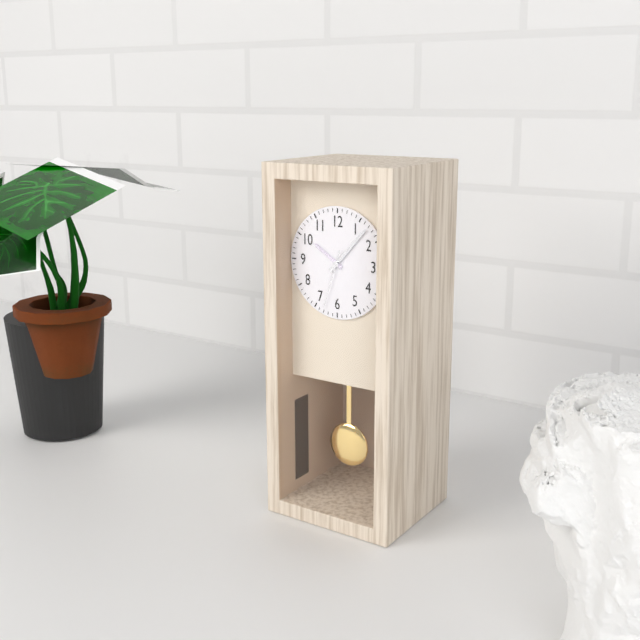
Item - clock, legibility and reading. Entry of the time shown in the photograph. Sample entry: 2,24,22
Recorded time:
10,07,33
